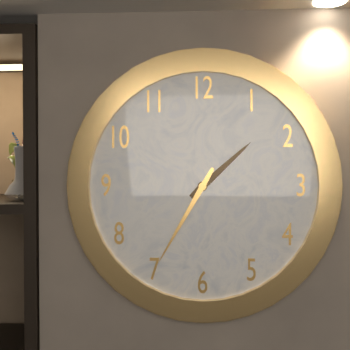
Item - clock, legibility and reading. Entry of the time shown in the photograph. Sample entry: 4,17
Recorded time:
1,35
